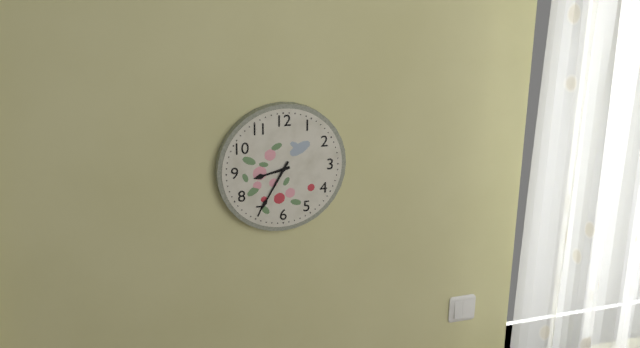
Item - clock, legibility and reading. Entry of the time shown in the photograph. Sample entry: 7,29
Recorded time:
8,35
